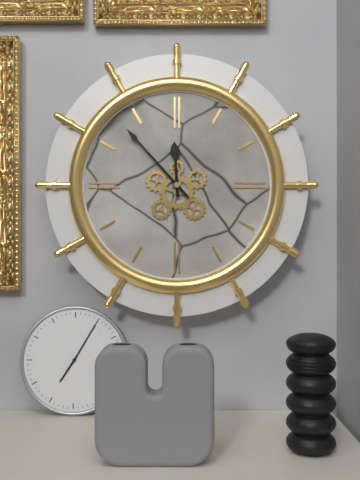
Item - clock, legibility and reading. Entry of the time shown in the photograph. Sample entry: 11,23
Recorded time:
11,53
